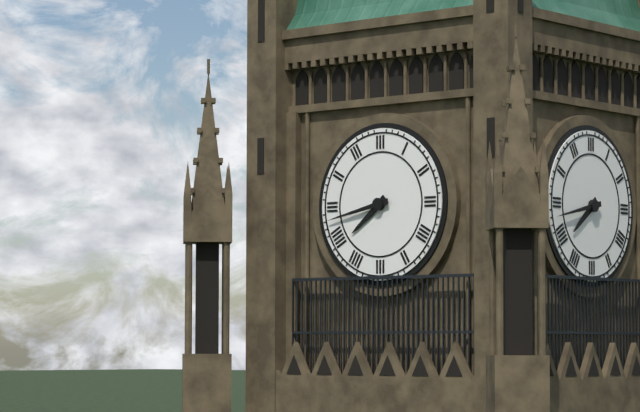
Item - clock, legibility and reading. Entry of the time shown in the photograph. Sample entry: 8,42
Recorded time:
7,43
